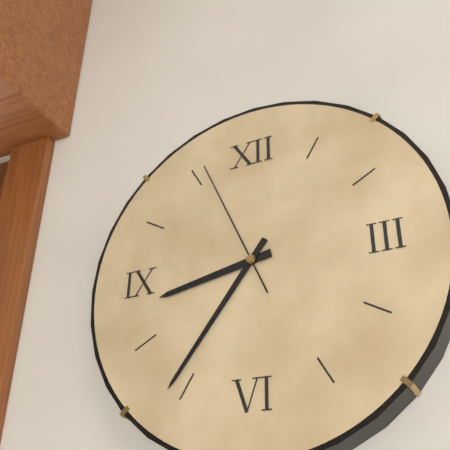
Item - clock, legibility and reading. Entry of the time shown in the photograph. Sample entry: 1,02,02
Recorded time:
8,36,56
